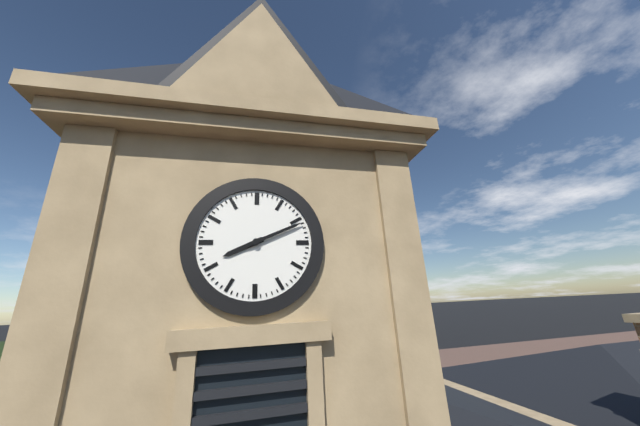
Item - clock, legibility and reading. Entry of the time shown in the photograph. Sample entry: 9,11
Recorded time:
8,11
